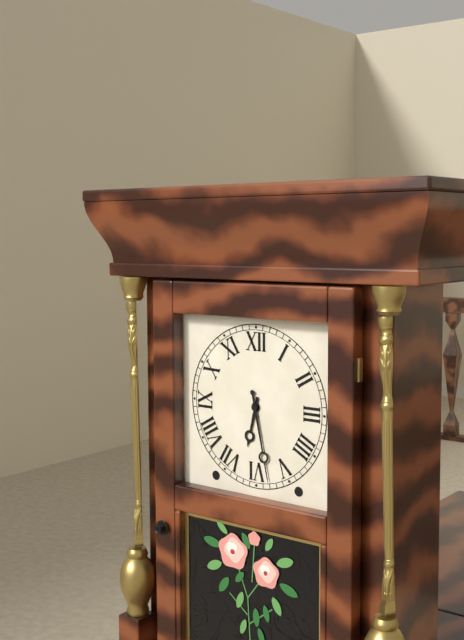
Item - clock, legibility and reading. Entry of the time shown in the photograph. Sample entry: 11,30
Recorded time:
6,28
